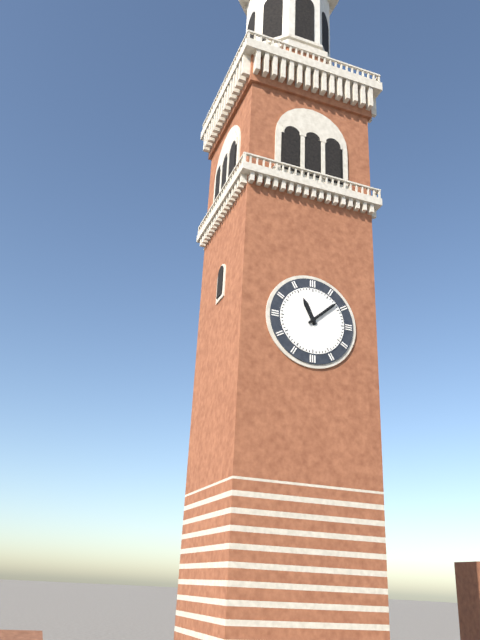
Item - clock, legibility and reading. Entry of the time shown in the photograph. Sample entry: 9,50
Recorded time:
11,08
